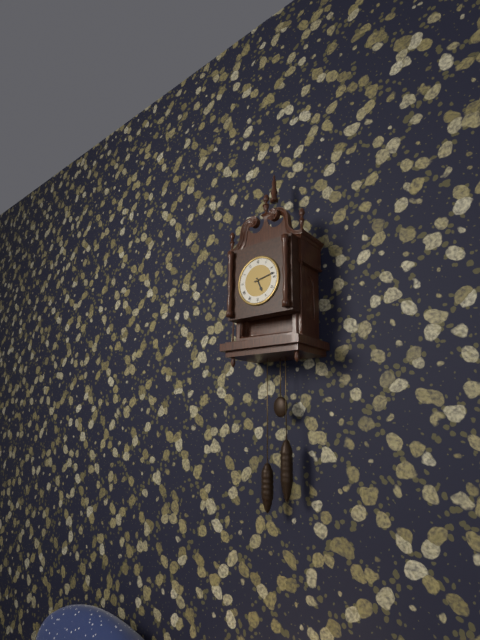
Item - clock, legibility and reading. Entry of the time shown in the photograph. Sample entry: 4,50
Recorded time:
5,13
